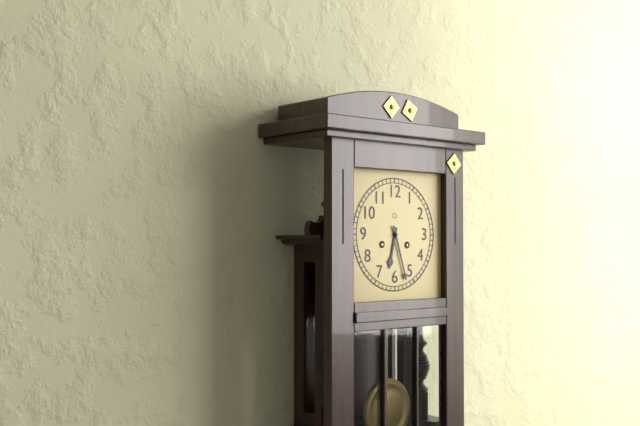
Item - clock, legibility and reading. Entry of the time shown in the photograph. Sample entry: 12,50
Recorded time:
6,27
